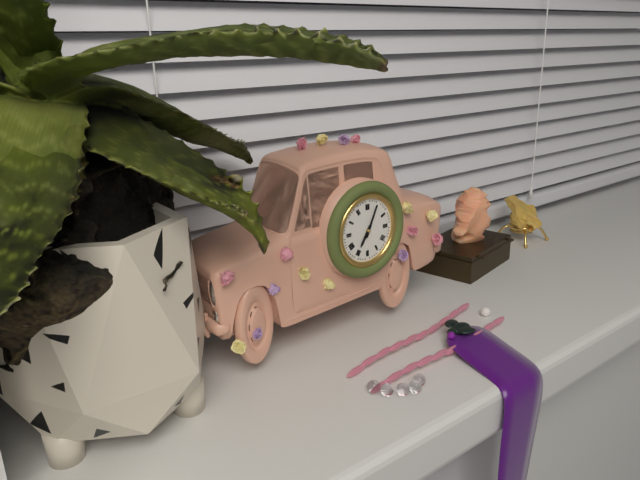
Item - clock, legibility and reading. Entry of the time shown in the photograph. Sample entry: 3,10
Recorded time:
7,04
